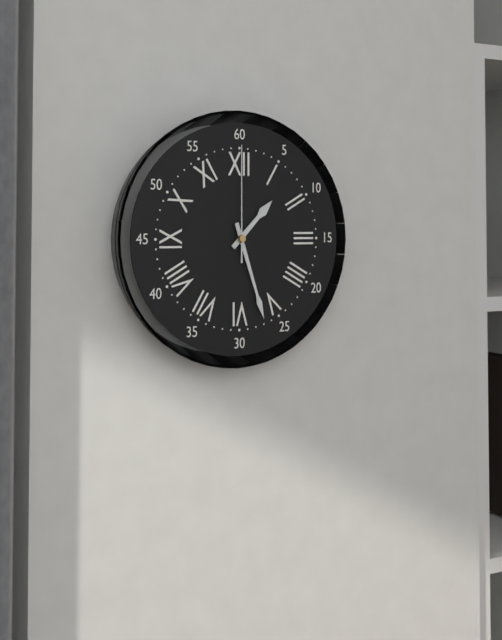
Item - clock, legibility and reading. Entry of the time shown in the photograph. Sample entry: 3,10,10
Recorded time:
1,27,00
